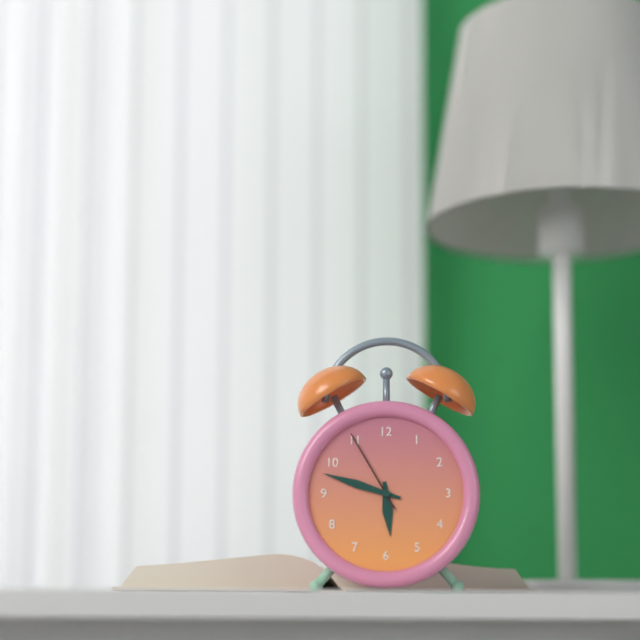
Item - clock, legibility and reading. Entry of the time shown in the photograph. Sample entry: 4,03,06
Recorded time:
5,48,55
